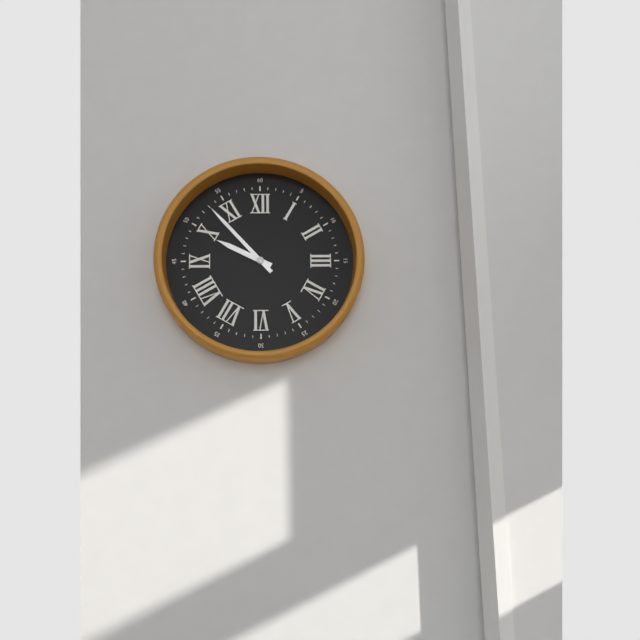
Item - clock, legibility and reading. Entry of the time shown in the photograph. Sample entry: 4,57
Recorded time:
9,53
